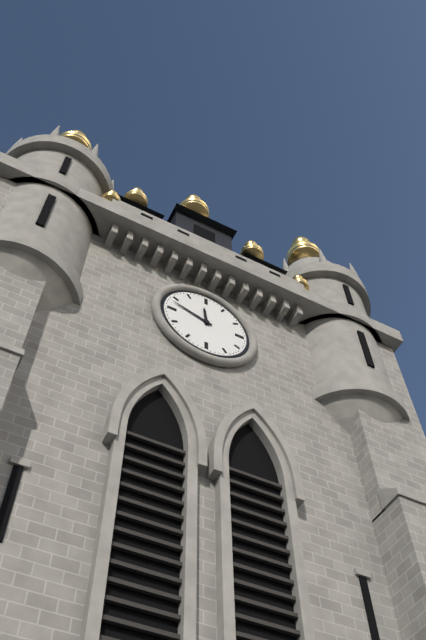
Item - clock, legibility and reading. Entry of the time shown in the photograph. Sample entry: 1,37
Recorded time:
11,48
